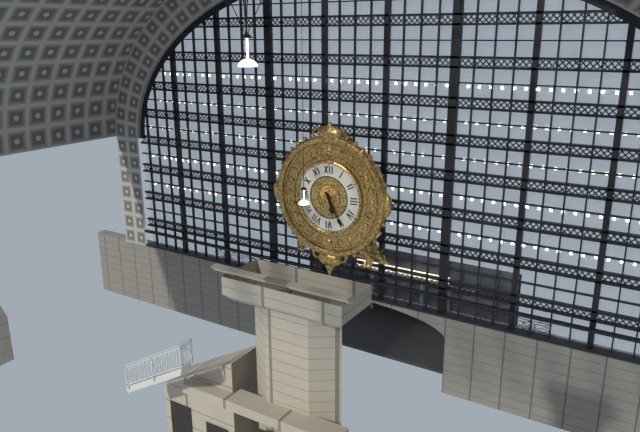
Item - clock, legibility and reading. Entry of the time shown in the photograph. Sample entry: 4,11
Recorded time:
5,25
